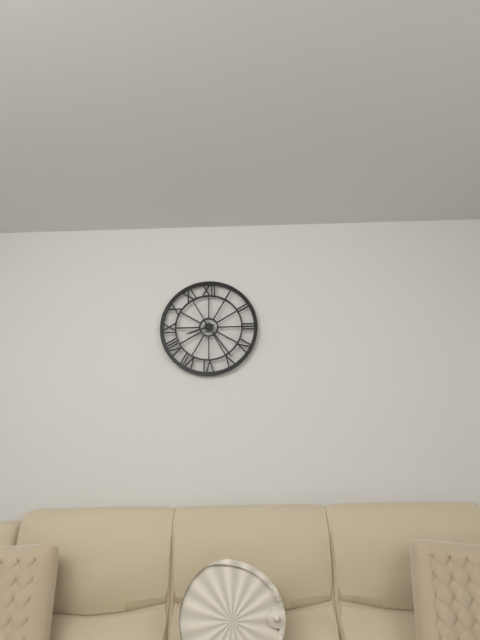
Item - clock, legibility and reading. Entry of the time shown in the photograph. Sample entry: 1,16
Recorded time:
8,24
